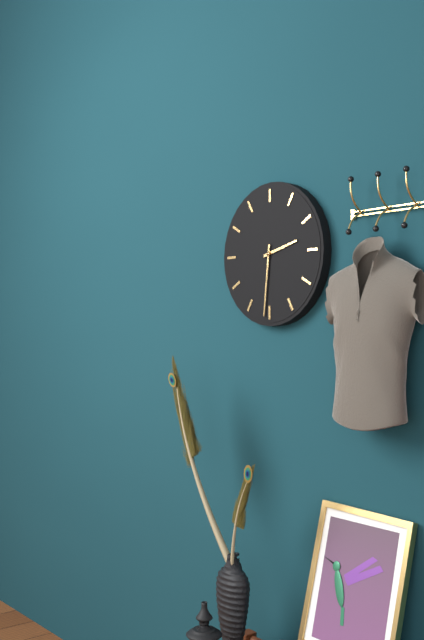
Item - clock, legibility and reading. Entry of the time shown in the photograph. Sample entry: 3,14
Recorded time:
2,31
